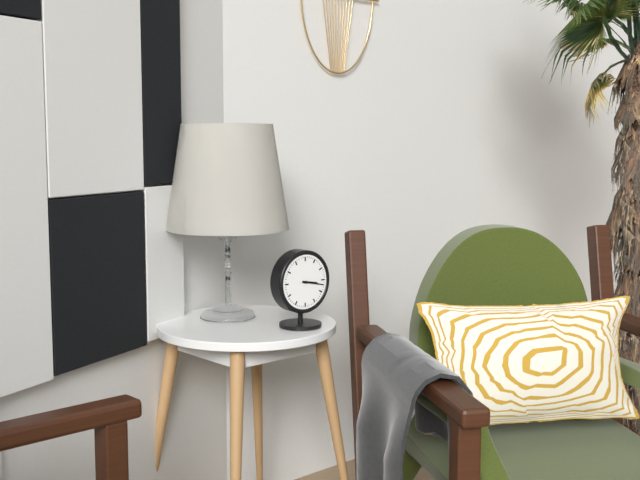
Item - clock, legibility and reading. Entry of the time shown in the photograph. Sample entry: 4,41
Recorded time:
3,17
